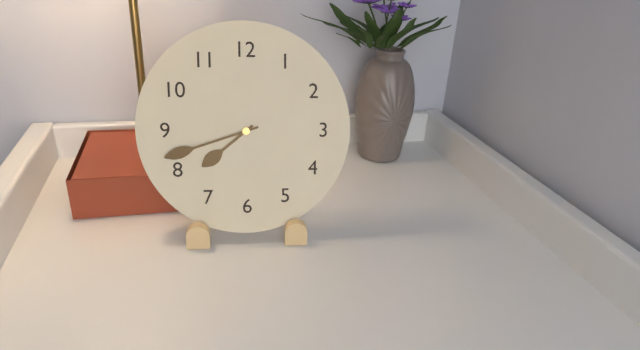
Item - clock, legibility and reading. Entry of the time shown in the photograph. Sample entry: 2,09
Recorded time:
7,42
